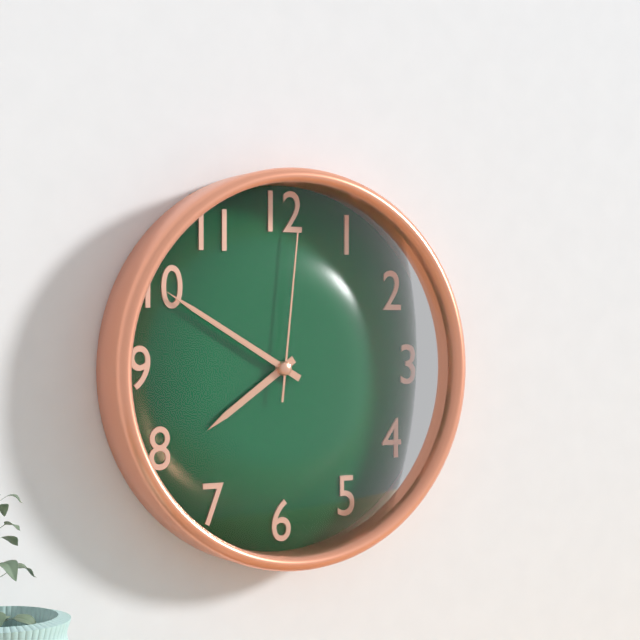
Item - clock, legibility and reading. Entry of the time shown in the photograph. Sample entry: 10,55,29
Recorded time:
7,50,01
